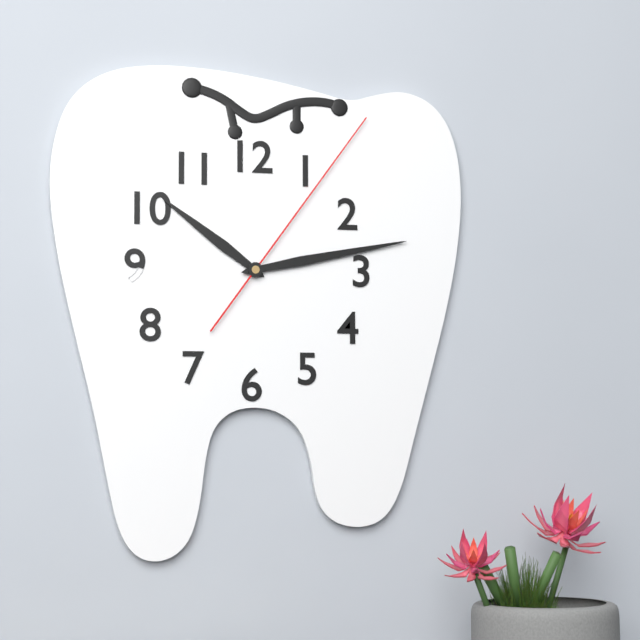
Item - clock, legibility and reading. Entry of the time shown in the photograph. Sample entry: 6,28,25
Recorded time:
10,13,06
